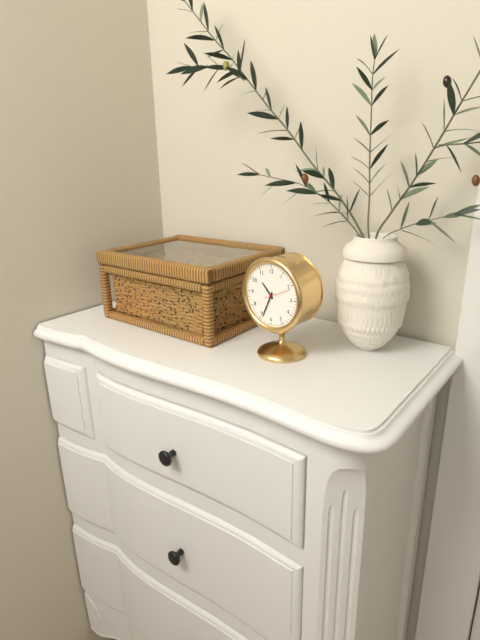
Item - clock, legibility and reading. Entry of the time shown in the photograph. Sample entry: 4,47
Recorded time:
10,34
